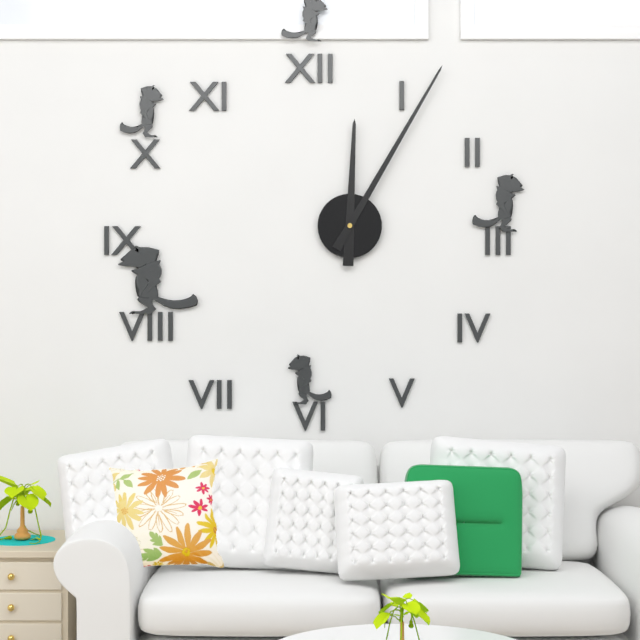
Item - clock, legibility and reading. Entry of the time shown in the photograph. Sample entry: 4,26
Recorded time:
12,05
